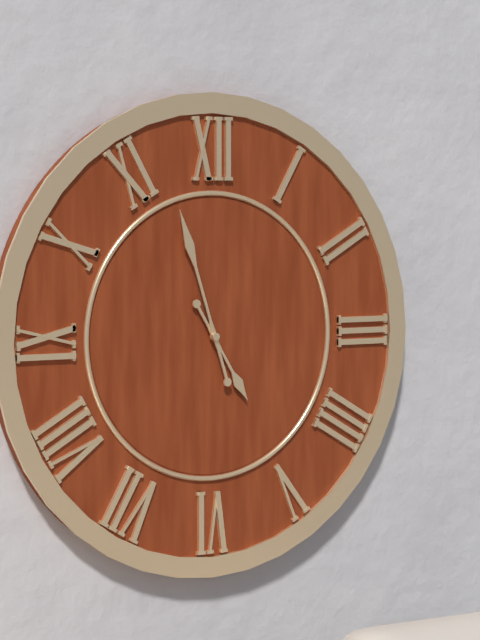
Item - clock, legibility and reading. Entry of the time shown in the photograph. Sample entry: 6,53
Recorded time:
4,57
